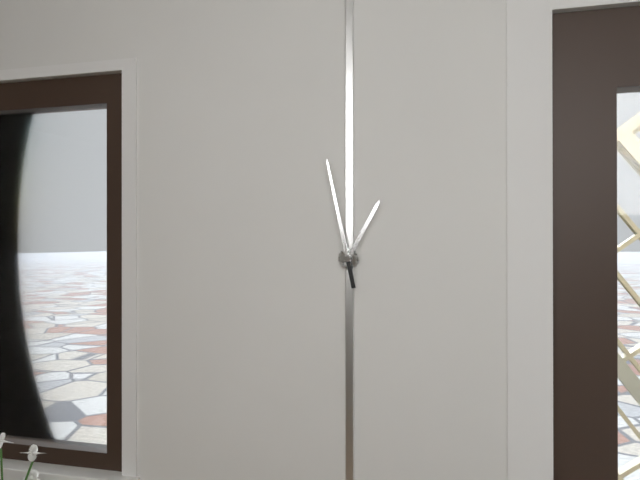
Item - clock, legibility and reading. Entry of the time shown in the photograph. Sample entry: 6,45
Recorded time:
12,58
